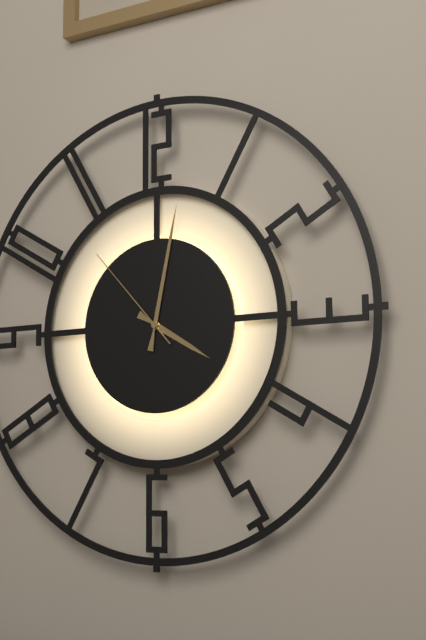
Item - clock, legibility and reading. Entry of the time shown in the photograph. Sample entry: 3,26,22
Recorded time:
4,02,53
